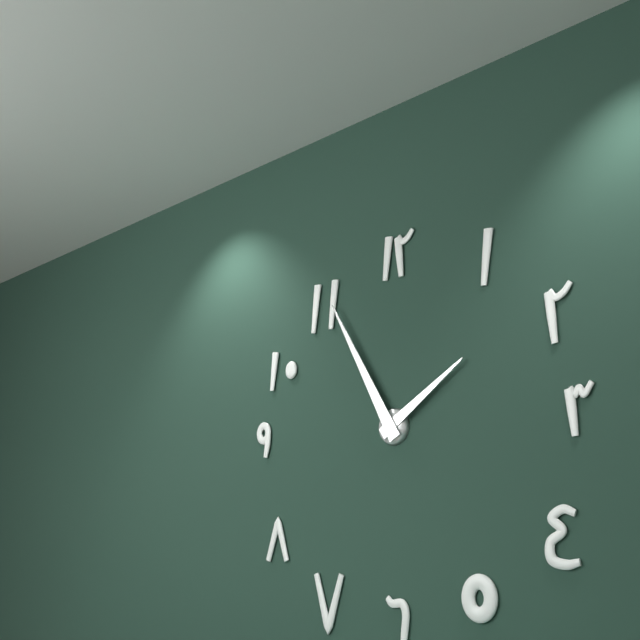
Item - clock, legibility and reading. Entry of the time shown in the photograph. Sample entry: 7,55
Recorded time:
1,55
